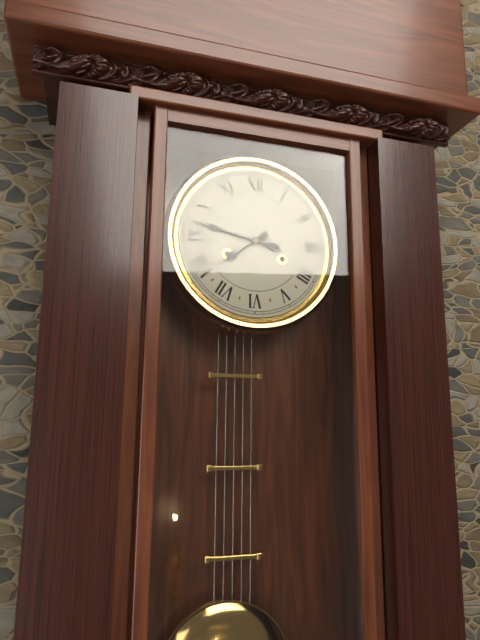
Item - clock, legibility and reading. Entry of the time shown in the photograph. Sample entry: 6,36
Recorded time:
7,47
